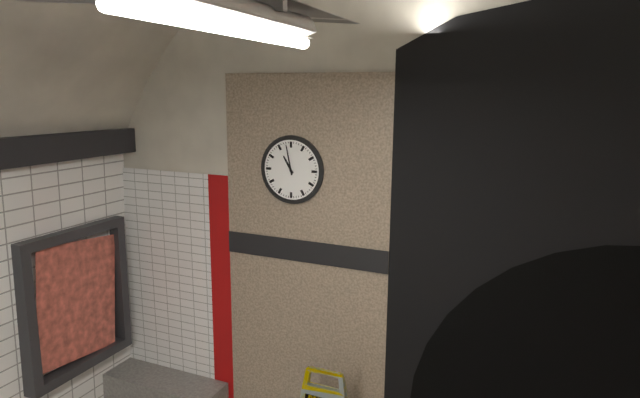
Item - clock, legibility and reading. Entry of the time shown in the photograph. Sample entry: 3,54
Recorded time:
10,58
